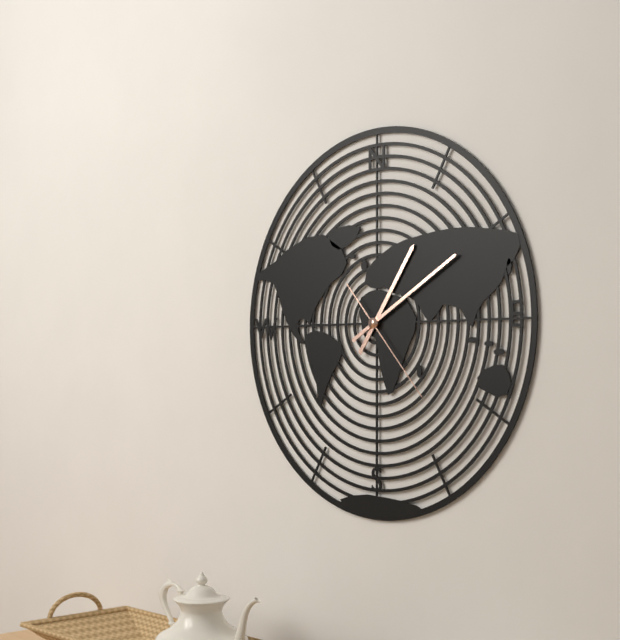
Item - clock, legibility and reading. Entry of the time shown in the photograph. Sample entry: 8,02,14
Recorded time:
1,10,23
